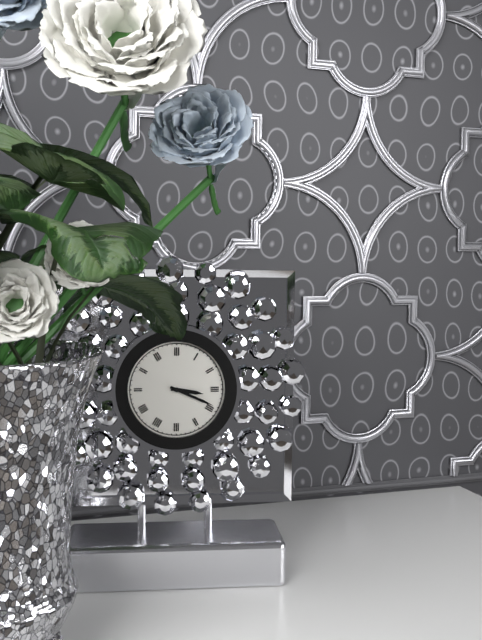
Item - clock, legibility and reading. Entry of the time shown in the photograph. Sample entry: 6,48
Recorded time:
3,19
